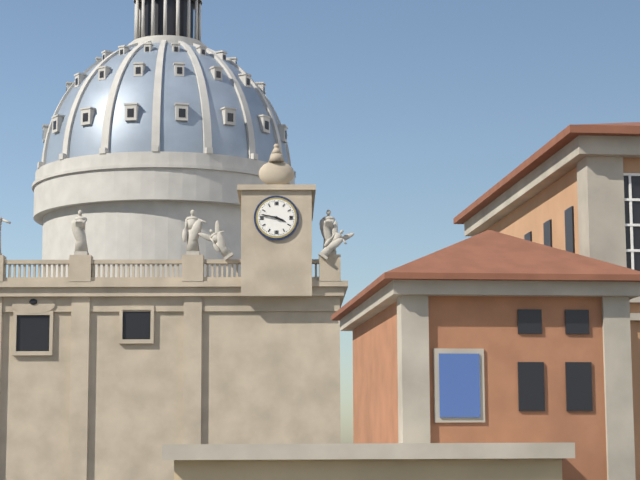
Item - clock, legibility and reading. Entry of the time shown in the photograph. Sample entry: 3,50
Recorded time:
3,47
